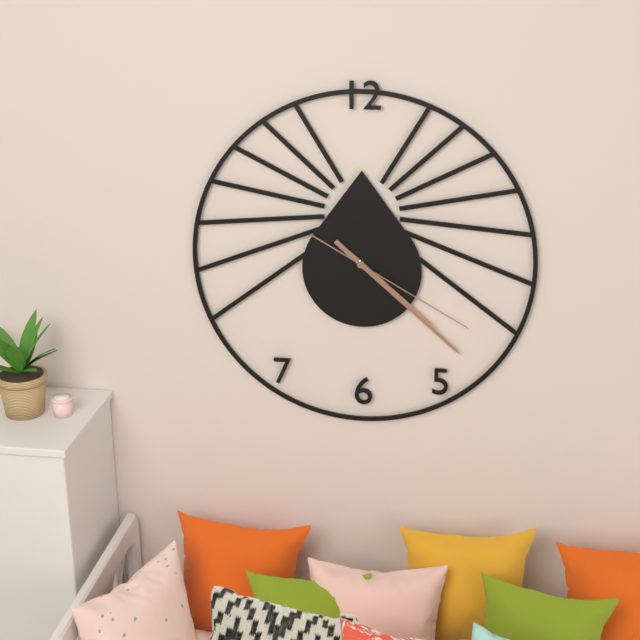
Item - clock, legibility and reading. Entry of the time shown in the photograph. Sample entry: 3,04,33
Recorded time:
4,22,20
